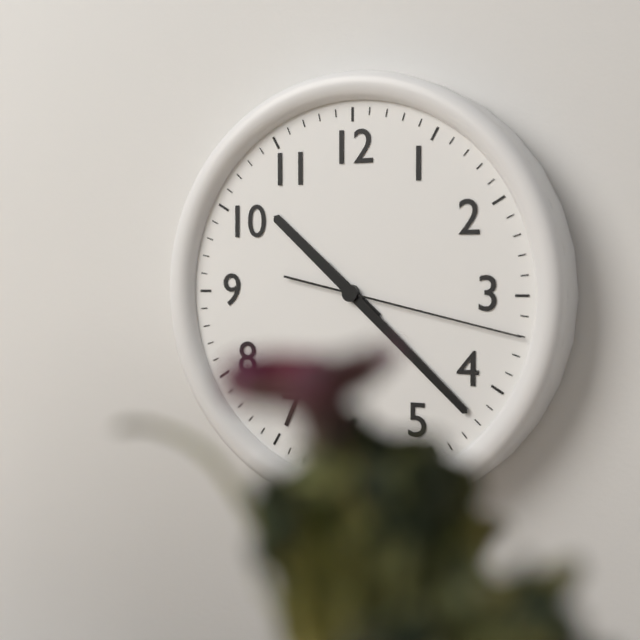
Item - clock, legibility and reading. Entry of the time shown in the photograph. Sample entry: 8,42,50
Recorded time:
10,22,17
